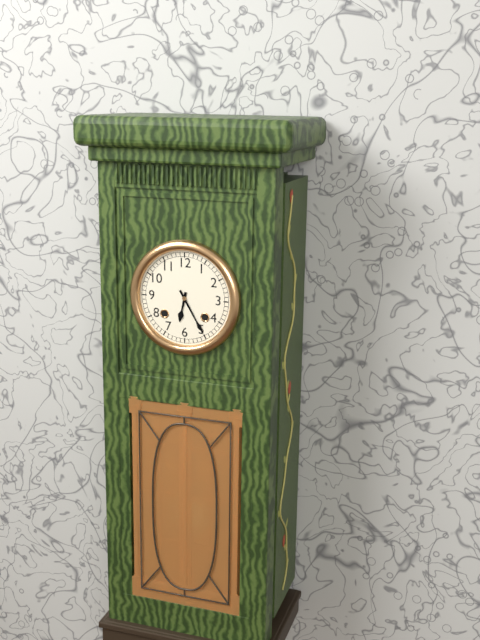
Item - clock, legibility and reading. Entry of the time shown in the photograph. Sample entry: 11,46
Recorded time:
6,25
